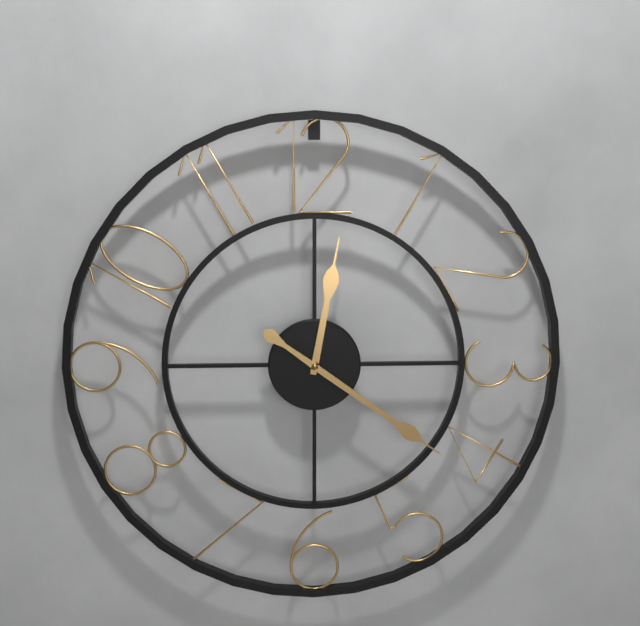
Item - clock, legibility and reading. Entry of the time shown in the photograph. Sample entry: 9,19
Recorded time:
12,21
